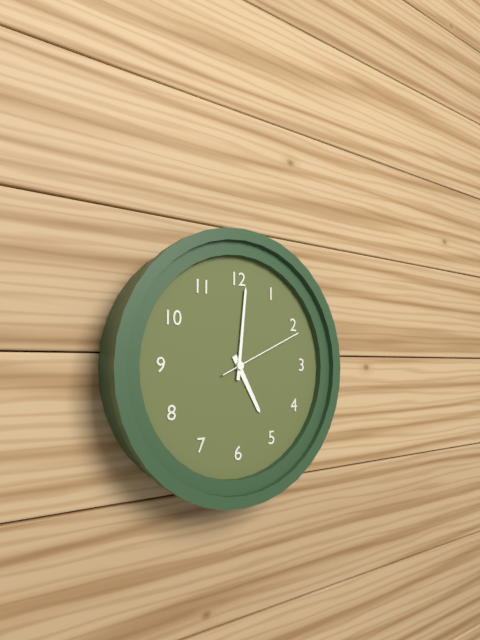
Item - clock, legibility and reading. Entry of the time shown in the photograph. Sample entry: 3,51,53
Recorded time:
5,01,11
